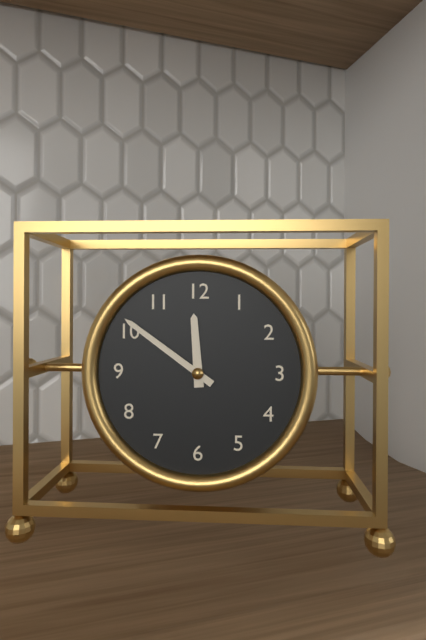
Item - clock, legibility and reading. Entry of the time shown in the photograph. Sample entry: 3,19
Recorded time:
11,51
